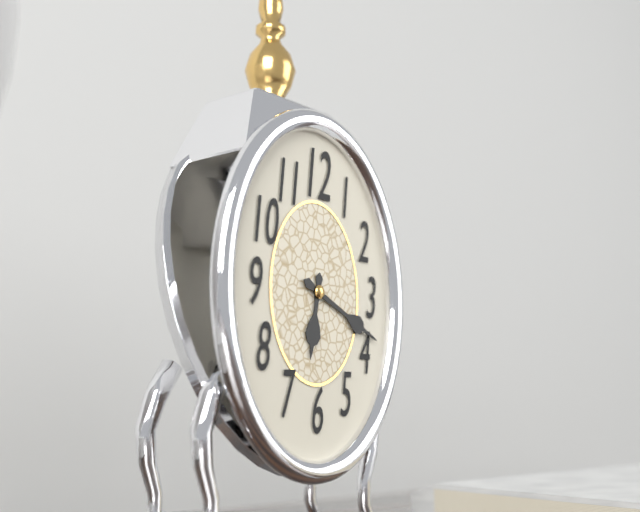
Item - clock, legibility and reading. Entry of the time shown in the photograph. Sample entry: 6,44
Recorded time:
6,19
